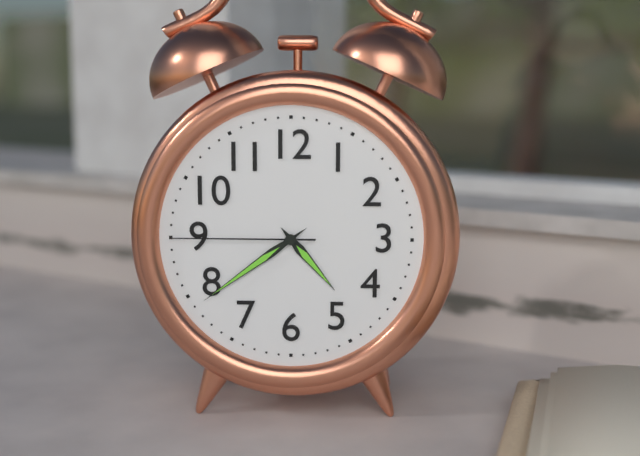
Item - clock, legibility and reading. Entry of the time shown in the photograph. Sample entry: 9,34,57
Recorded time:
4,39,45
